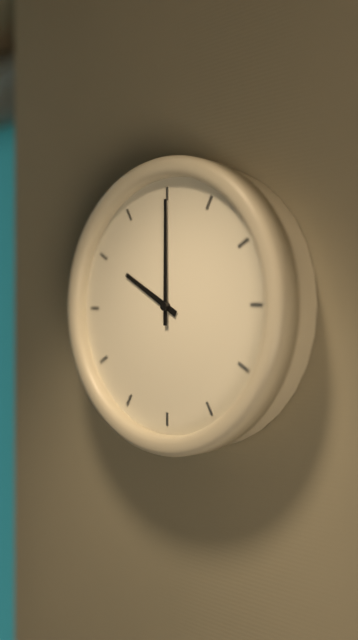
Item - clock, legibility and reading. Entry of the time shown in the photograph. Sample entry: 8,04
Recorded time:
10,00
